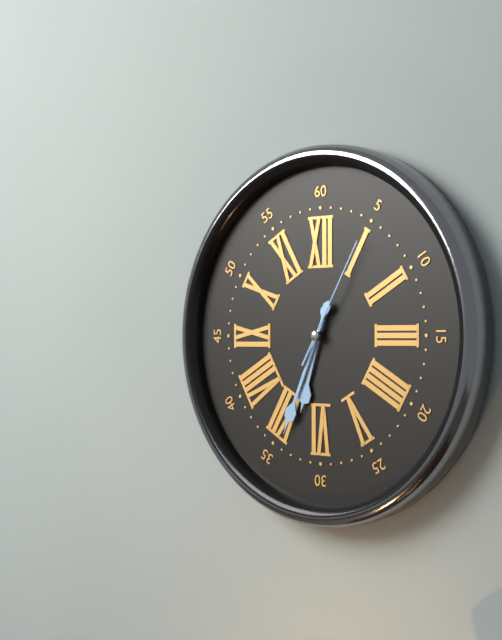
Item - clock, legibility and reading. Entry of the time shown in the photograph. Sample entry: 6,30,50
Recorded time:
6,34,05
